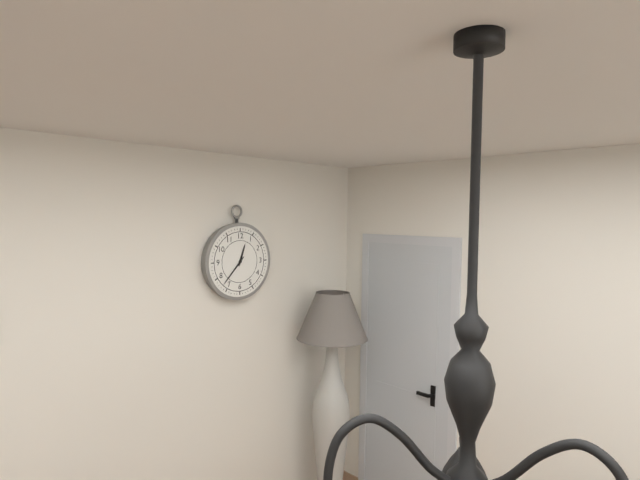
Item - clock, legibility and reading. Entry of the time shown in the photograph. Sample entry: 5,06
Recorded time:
12,37
